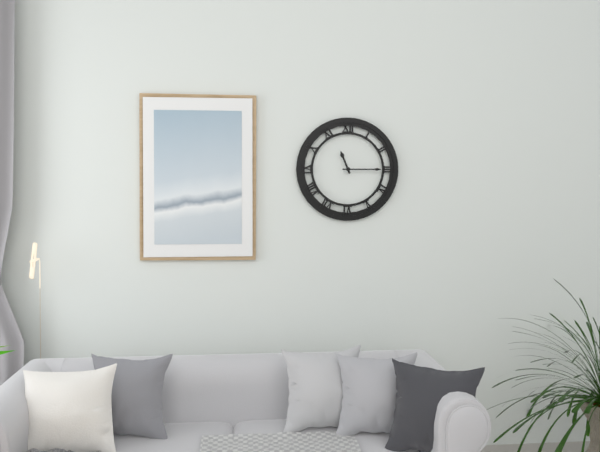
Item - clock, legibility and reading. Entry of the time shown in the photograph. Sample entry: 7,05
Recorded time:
11,15
